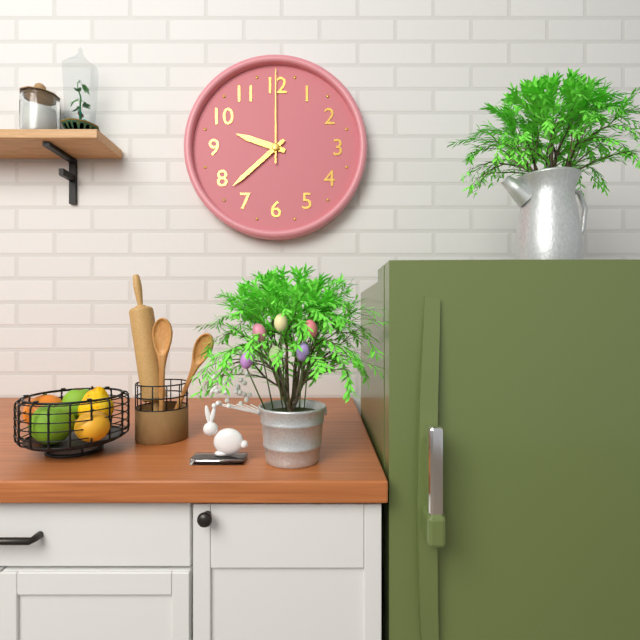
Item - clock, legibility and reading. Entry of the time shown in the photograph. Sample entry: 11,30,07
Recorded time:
9,38,00
